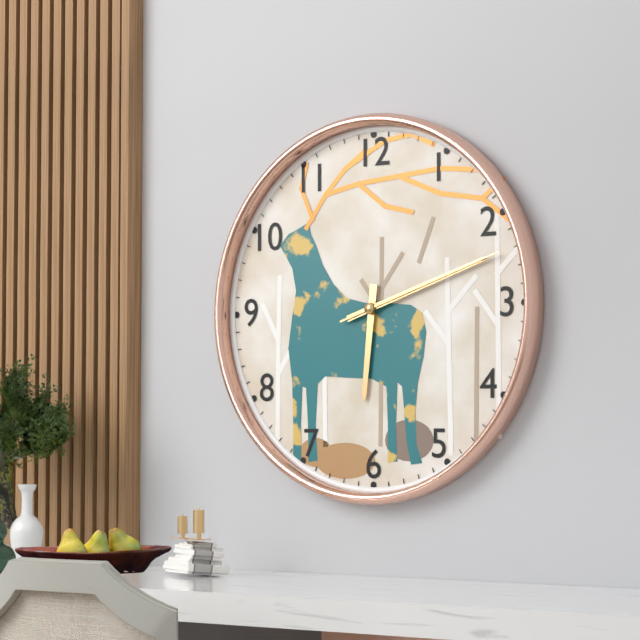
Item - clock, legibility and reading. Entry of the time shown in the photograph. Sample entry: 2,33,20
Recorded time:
6,12,12
